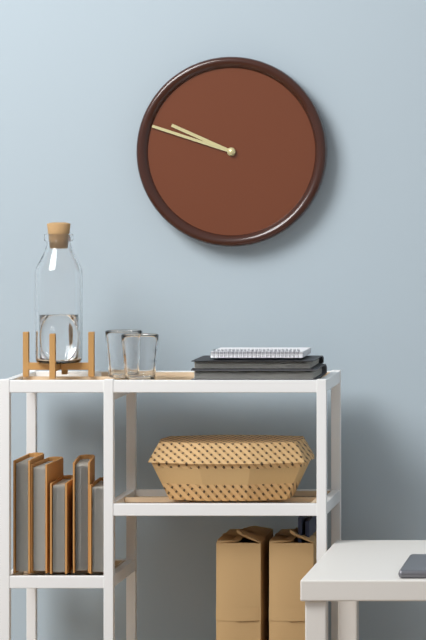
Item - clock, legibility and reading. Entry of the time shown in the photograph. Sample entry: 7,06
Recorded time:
9,48
